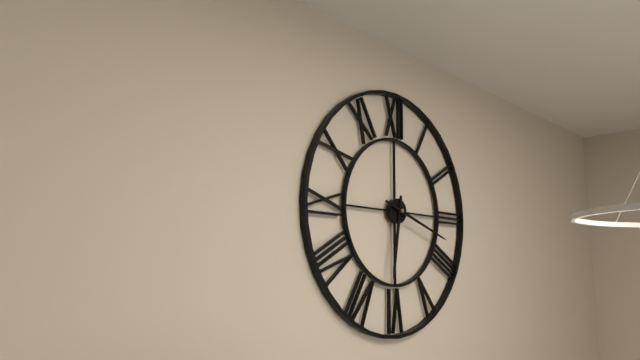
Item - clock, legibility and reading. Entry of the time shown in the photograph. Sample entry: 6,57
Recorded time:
6,18
